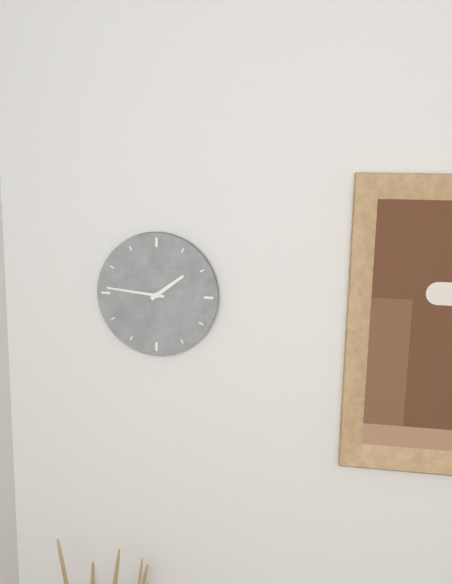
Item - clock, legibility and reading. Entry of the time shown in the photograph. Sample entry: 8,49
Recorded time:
1,46
